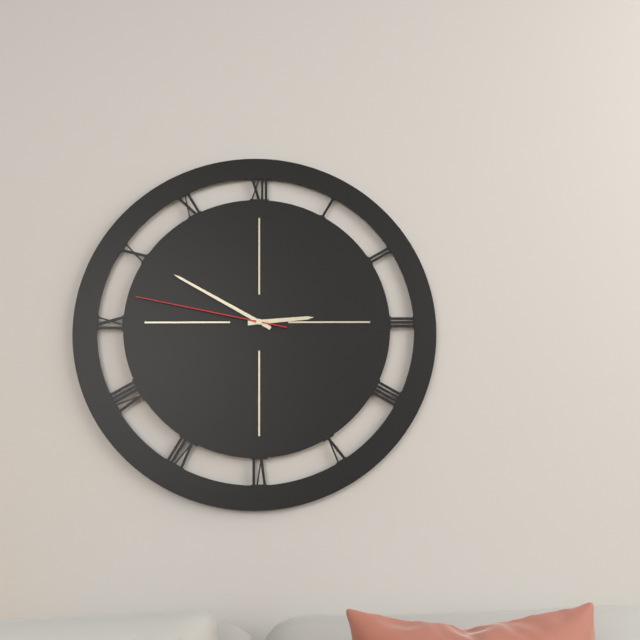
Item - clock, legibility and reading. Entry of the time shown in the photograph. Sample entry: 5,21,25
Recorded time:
2,50,47
